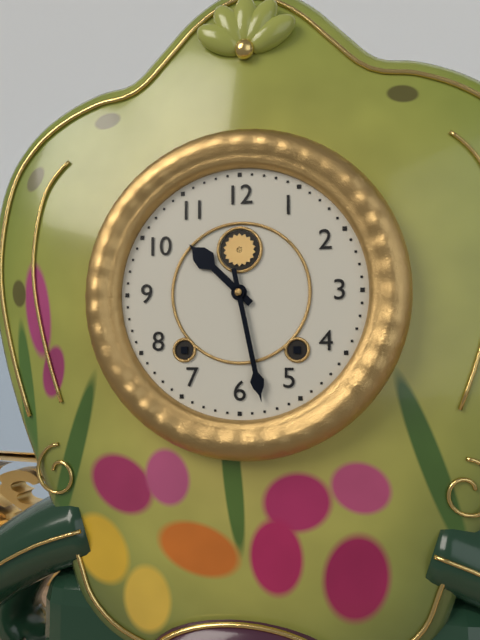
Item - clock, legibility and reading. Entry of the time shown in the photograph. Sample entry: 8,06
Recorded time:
10,28
